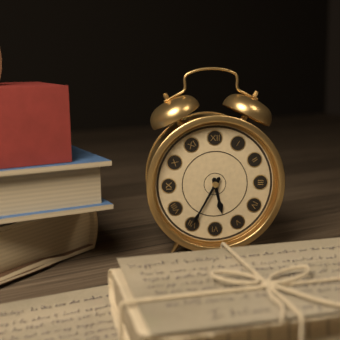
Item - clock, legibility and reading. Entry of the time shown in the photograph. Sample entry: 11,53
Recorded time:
5,35
